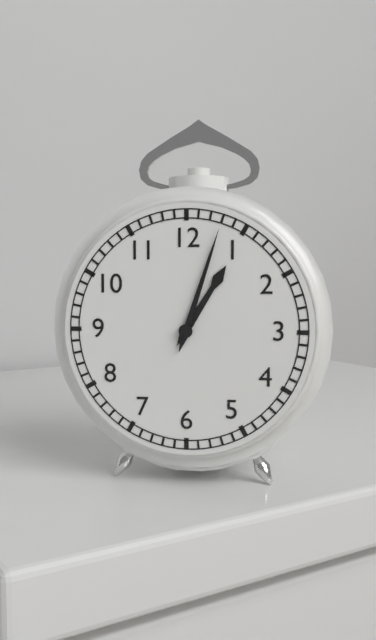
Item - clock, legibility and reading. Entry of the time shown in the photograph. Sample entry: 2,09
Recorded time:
1,03
